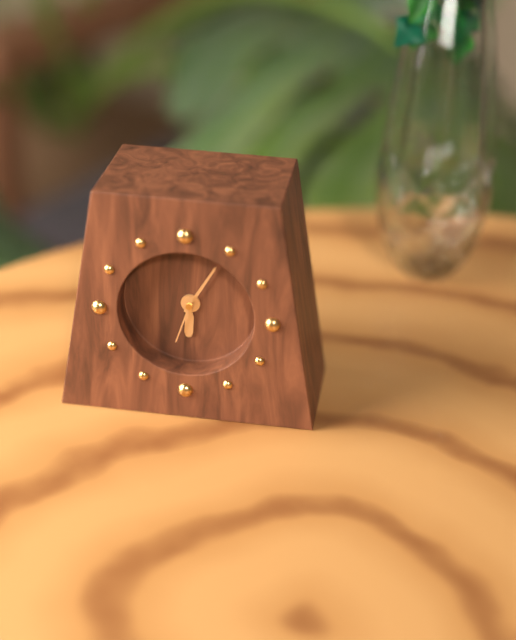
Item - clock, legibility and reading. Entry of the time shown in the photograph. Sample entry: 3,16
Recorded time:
6,05
